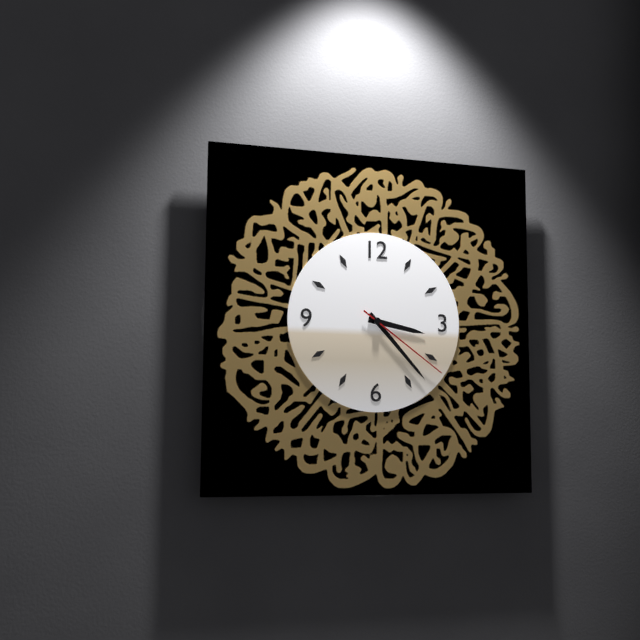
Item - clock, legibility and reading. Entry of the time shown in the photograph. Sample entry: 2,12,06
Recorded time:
3,23,21
